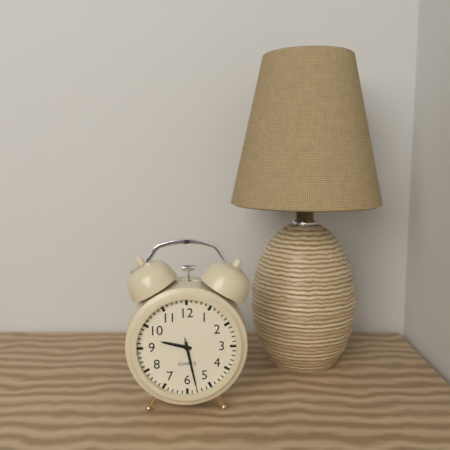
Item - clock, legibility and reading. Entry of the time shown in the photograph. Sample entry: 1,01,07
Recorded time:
9,28,28
